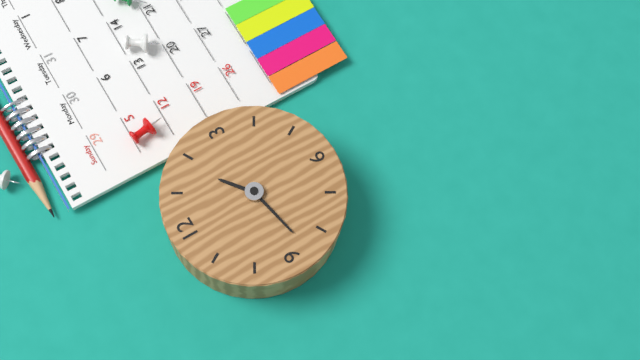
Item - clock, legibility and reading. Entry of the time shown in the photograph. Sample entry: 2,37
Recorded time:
1,43
